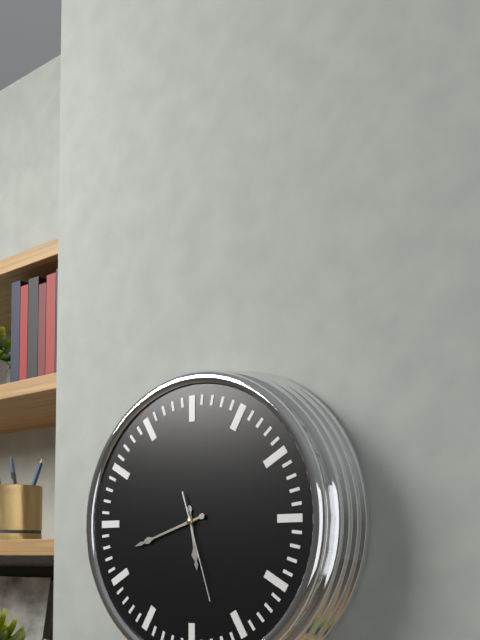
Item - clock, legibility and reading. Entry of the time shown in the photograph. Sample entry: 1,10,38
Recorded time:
5,42,27
